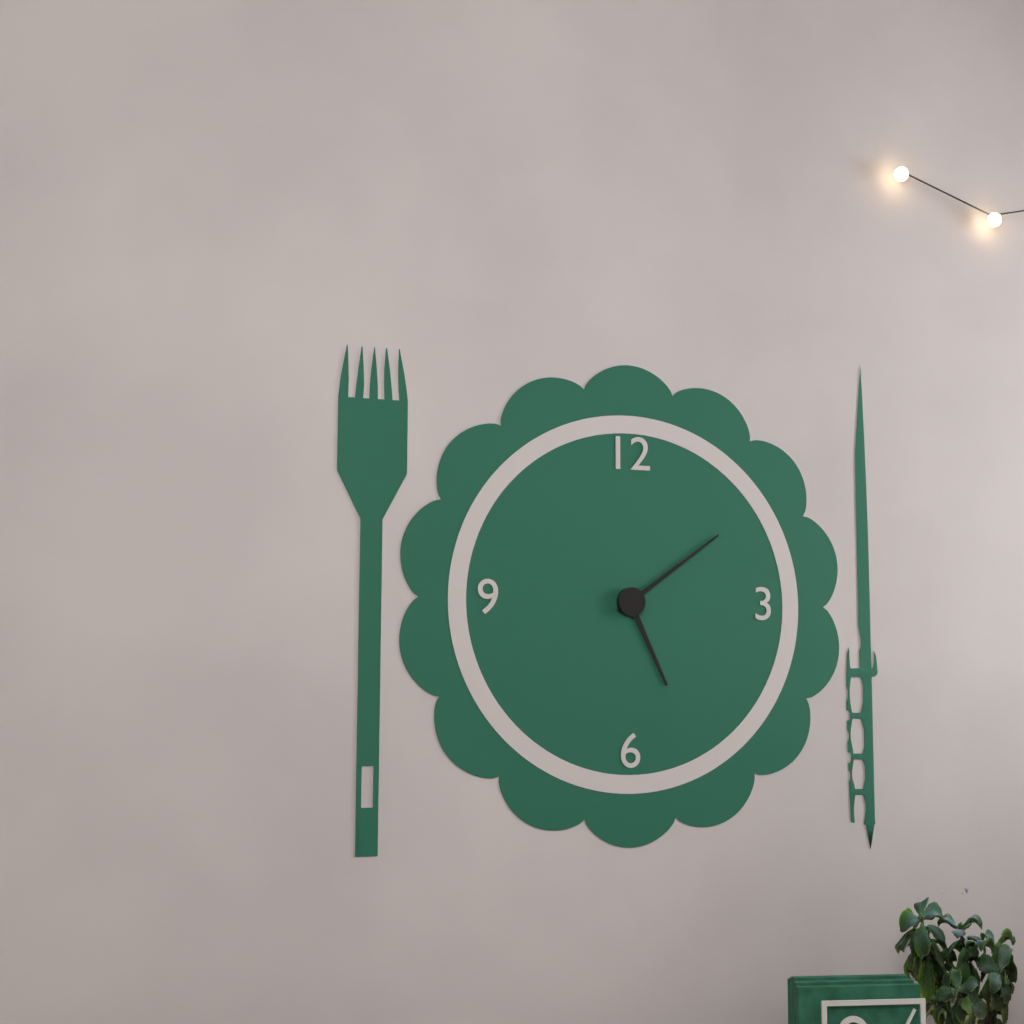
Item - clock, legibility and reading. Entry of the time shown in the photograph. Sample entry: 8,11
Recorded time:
5,09
